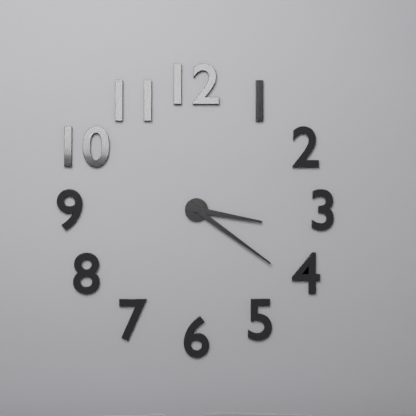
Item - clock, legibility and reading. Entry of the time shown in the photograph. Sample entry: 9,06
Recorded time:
3,21
